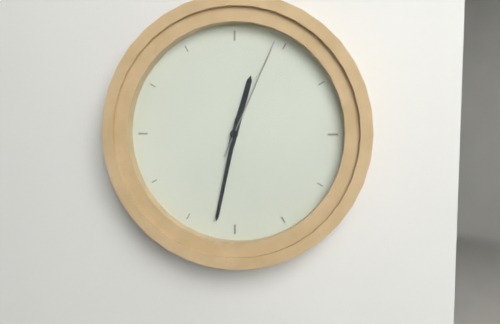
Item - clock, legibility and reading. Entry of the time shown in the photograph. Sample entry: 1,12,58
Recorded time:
12,32,04
